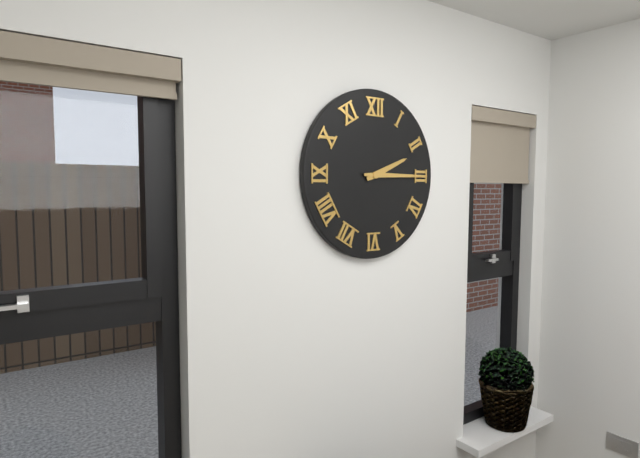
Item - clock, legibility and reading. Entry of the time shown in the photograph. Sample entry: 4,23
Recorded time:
2,15
